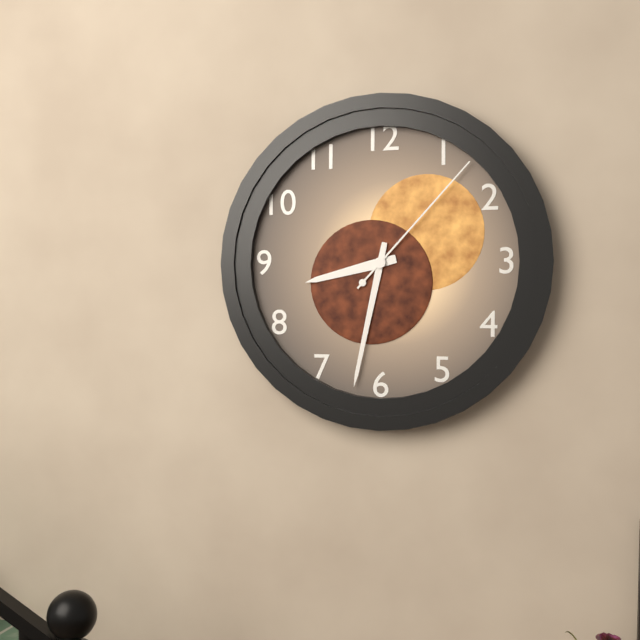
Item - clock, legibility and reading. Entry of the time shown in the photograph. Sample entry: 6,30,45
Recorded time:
8,32,07
